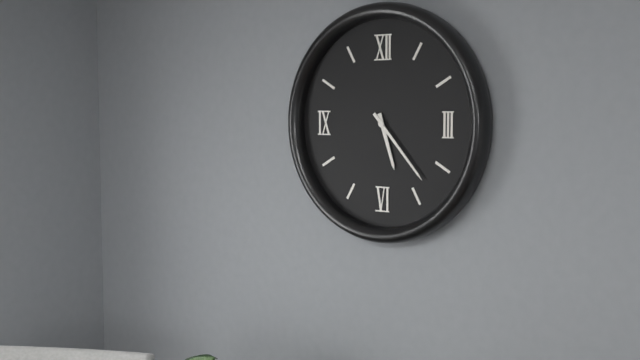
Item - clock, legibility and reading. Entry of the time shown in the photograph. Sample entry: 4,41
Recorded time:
5,23
